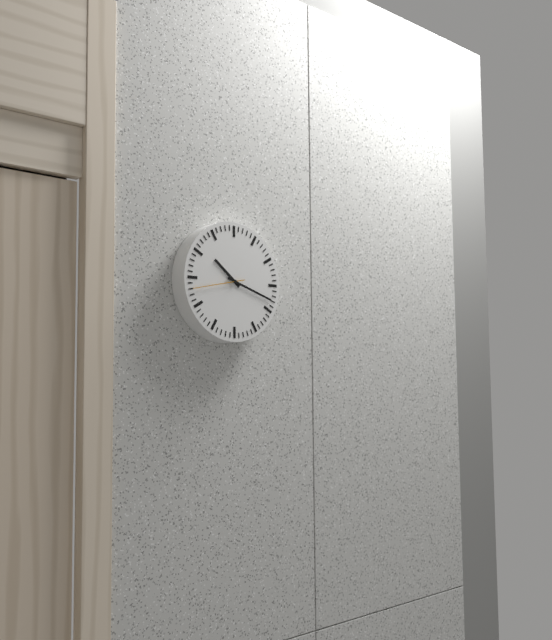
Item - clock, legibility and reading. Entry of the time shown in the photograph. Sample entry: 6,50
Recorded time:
10,18
